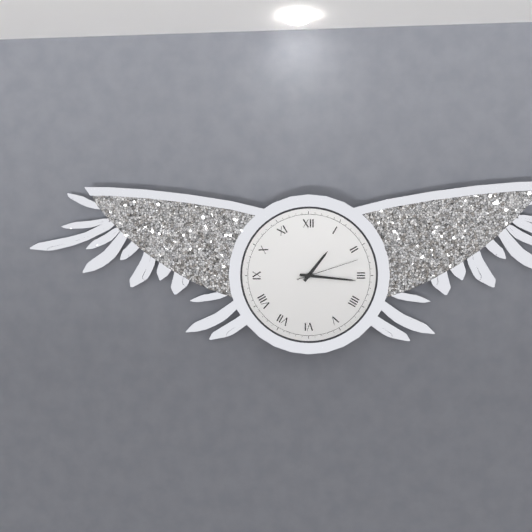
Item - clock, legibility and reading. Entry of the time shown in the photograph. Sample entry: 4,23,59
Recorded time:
1,16,12
